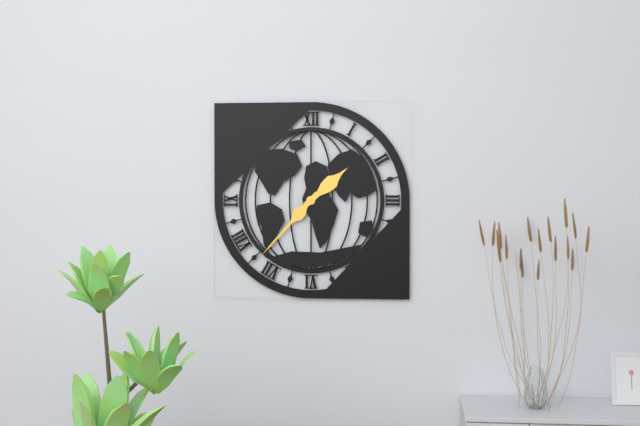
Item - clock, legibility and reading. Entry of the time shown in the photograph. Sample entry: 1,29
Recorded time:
1,37
